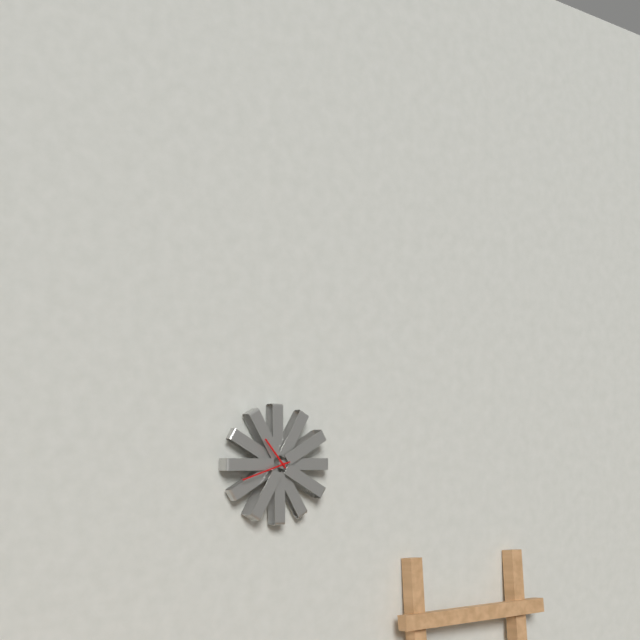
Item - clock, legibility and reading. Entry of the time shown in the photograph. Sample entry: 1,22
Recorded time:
10,42
